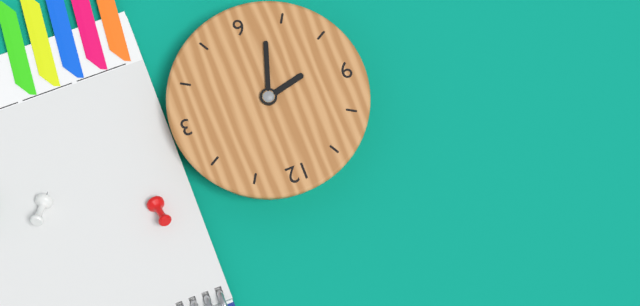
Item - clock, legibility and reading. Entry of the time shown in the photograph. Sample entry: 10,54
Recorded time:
8,33
